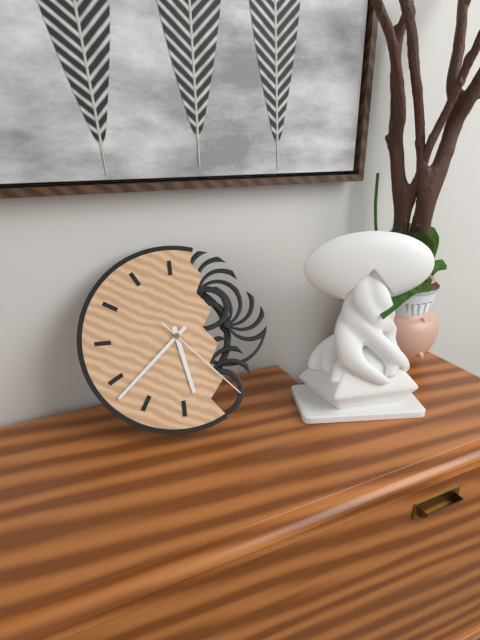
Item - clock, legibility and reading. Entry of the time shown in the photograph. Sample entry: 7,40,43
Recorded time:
5,38,23
